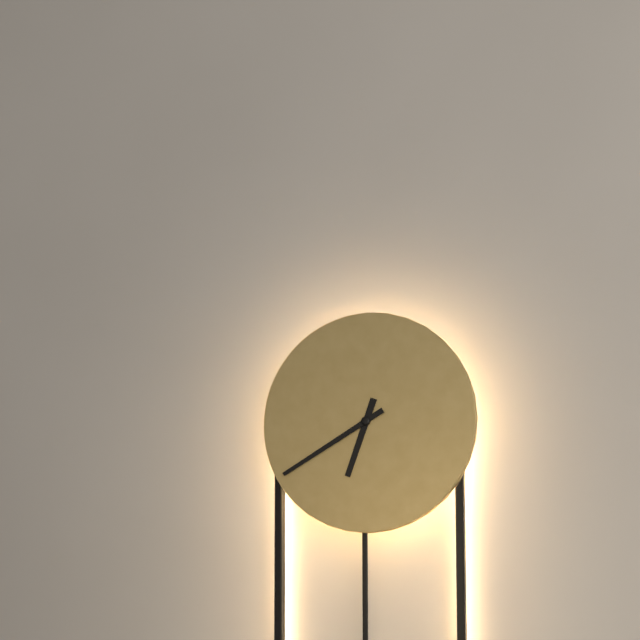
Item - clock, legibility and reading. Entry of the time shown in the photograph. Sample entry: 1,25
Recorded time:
6,40
